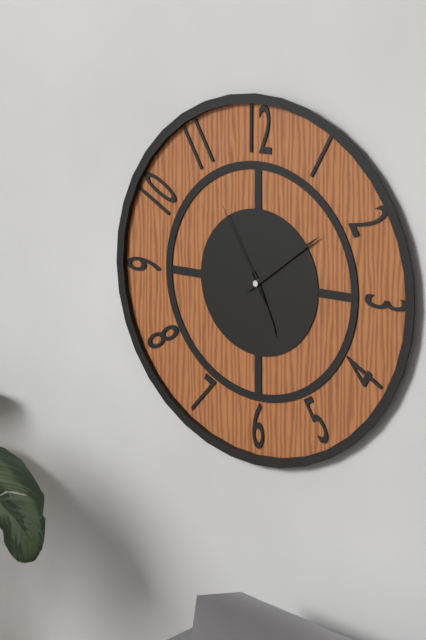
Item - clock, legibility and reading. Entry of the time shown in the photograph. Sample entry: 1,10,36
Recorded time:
5,09,55
